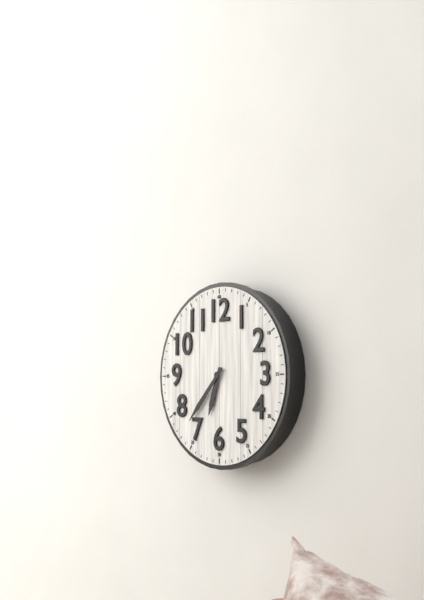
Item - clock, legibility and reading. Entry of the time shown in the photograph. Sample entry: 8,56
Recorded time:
6,37
